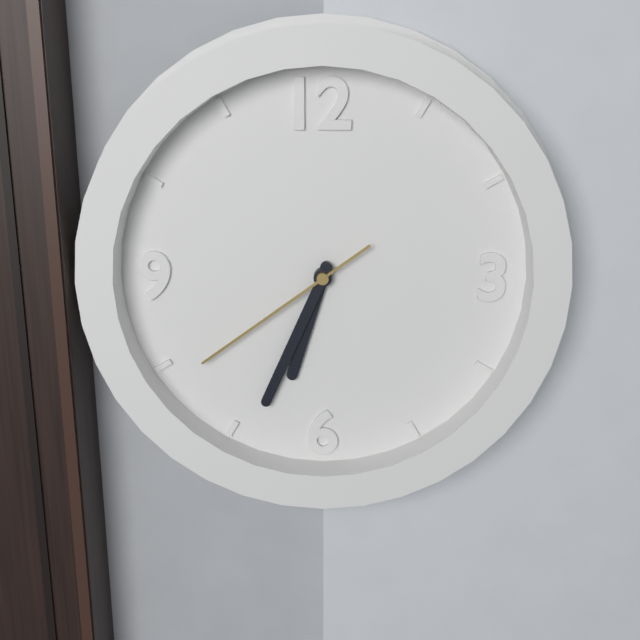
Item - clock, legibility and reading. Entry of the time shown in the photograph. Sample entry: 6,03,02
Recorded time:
6,34,39
